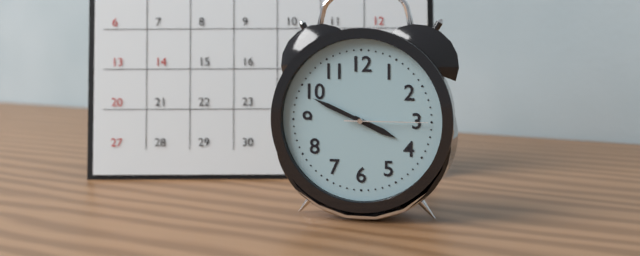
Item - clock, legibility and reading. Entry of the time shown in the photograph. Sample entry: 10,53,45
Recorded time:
3,49,15
